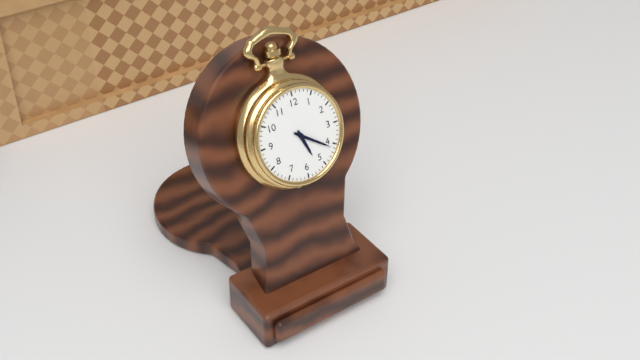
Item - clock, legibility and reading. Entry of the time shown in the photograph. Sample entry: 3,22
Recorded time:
5,21
